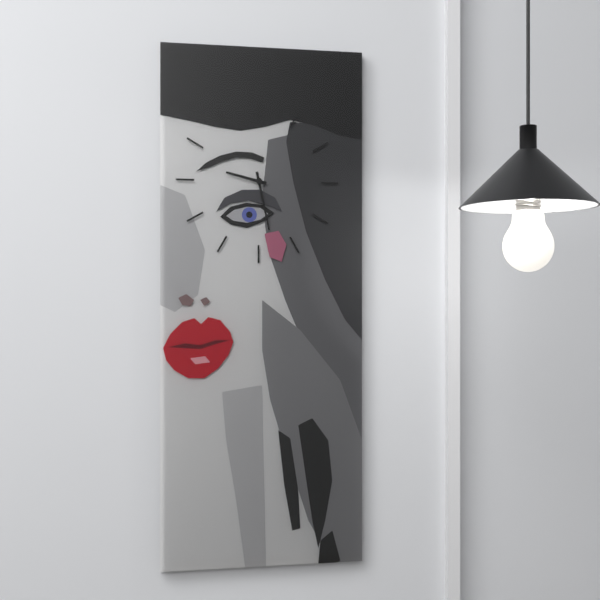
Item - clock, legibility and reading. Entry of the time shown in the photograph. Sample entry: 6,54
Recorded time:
9,28
